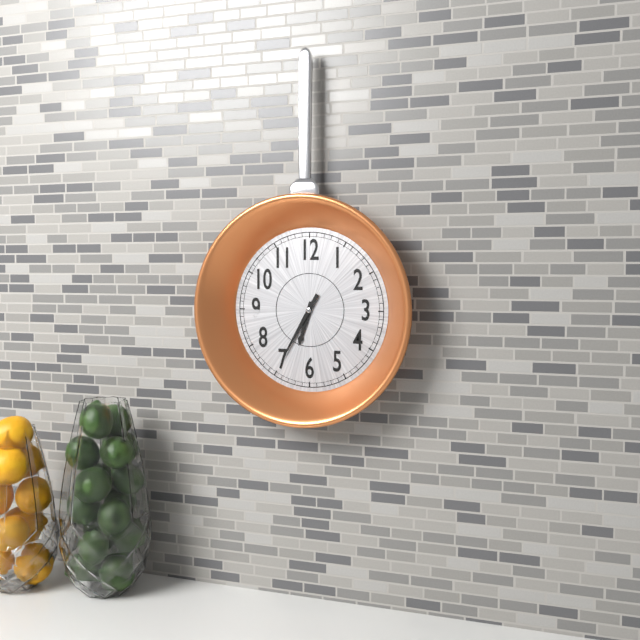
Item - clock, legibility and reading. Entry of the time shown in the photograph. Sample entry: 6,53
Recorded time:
6,35
